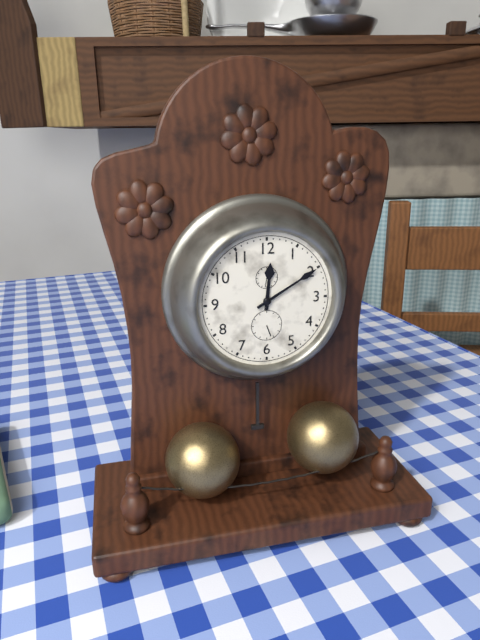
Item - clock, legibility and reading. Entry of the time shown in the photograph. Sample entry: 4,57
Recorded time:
12,10
